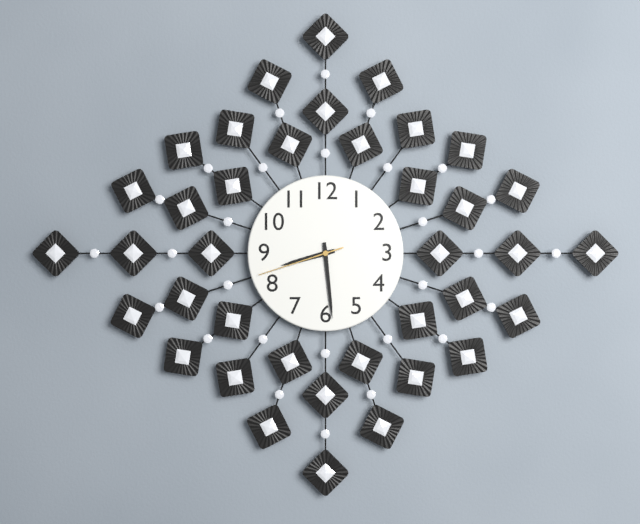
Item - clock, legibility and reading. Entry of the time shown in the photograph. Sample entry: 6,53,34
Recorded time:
8,29,42
